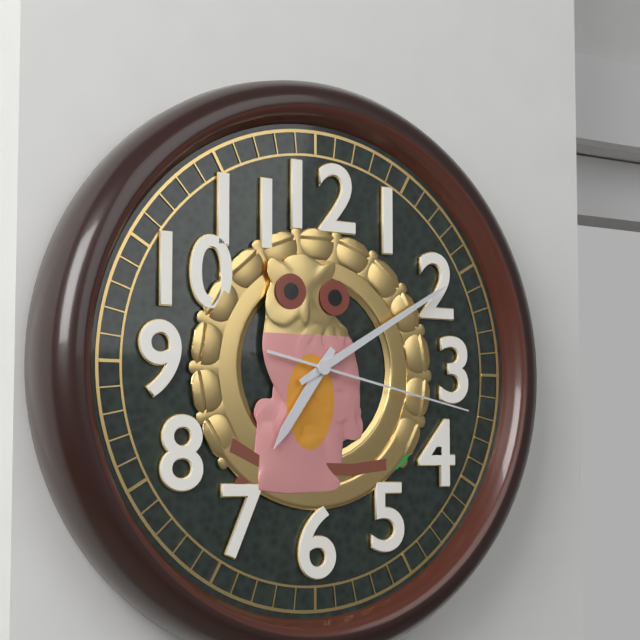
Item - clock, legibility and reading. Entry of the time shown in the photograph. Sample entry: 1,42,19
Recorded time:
7,10,17
